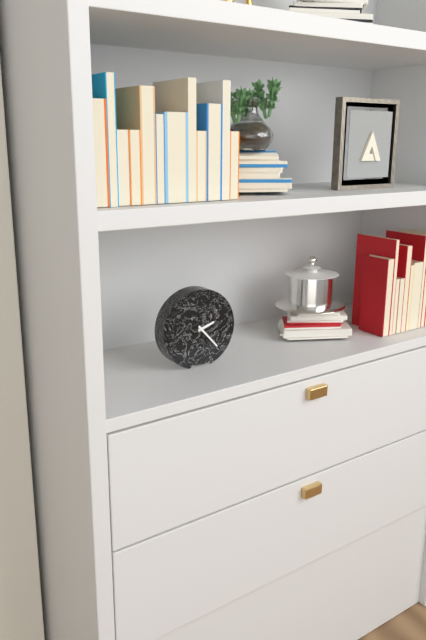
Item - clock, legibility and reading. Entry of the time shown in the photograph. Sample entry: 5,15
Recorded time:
2,23
